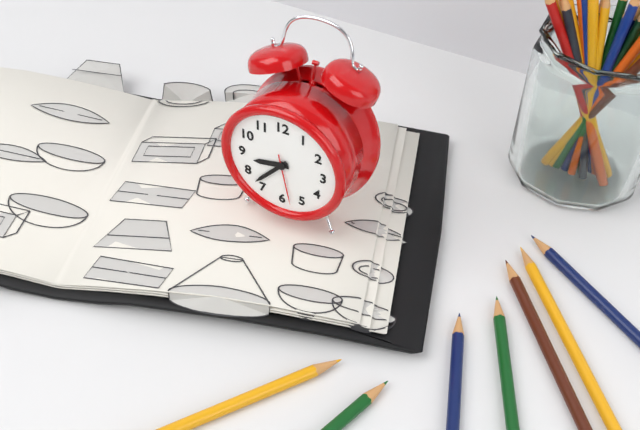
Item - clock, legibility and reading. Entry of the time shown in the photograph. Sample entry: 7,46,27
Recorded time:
8,37,28
